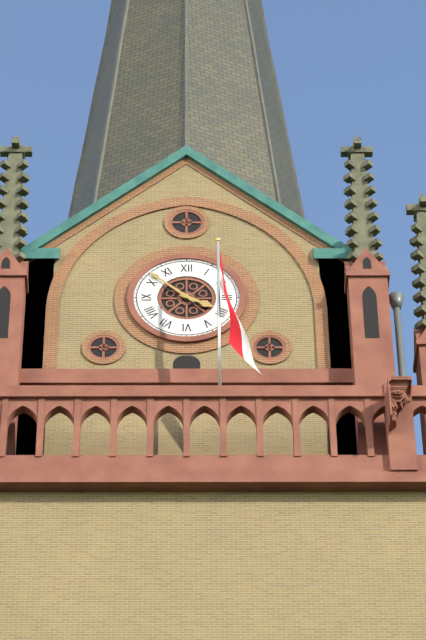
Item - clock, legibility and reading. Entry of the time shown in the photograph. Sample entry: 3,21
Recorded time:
3,52
